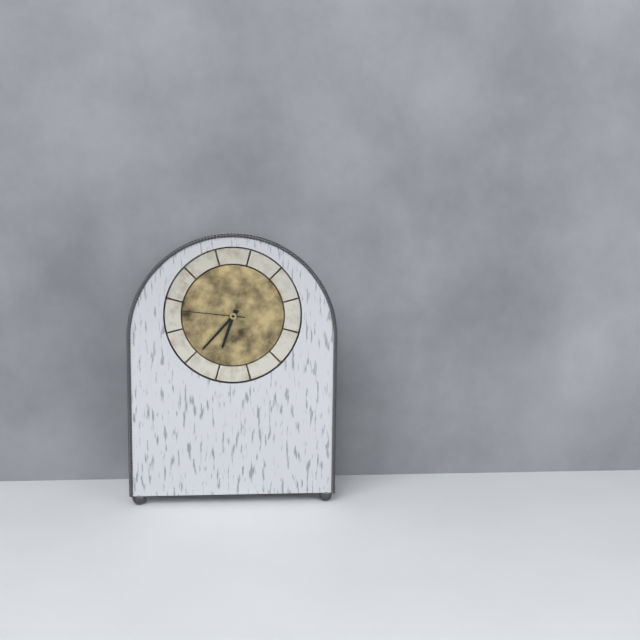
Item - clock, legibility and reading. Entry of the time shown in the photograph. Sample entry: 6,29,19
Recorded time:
6,37,46
